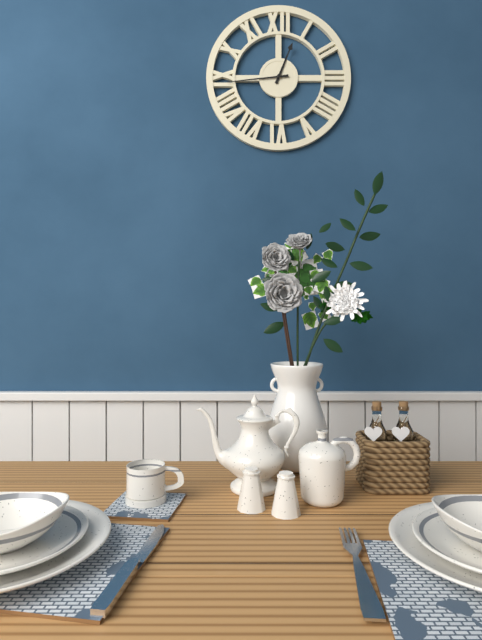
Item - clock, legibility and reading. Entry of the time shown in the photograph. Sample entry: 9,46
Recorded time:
12,44
